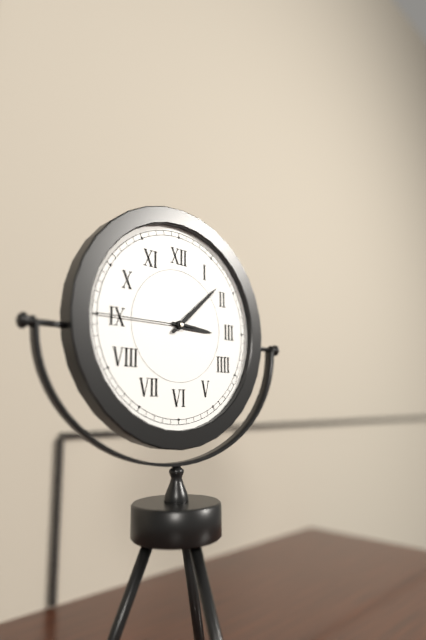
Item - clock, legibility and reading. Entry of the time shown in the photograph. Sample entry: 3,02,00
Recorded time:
3,08,45
